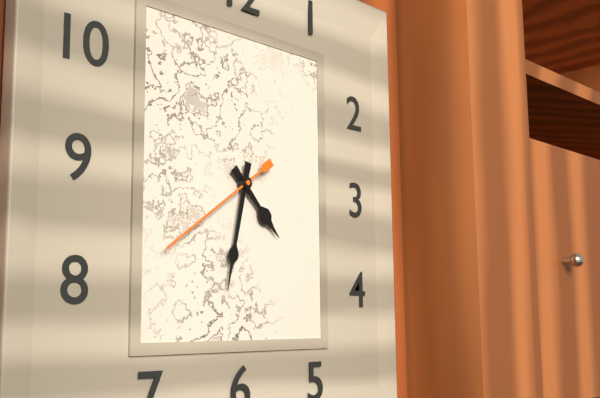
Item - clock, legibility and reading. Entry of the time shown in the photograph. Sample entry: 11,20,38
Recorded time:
4,32,39
